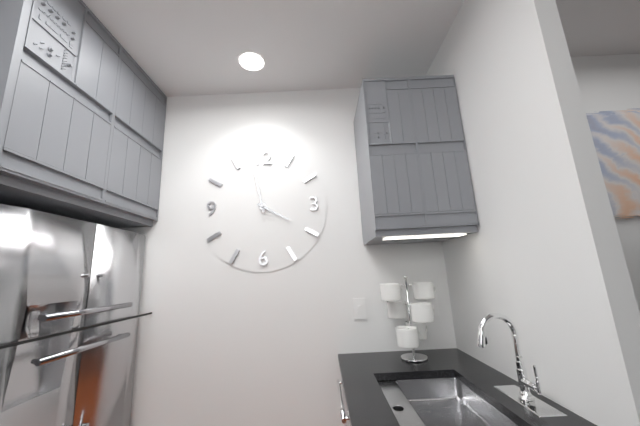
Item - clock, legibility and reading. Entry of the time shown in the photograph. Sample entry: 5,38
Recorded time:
3,58
